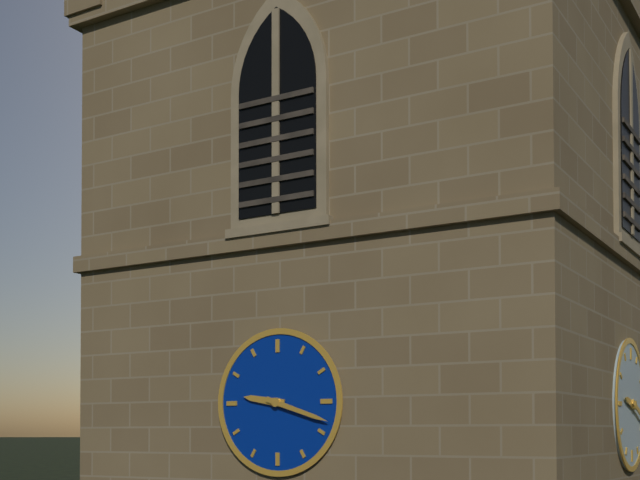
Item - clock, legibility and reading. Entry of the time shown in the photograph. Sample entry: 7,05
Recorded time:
9,18
